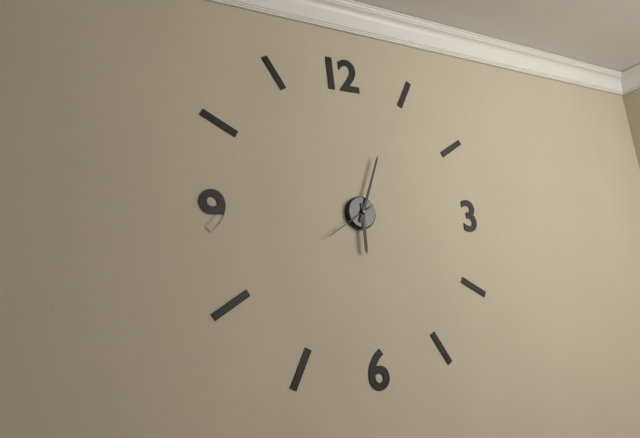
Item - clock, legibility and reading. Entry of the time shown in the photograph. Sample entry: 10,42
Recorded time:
6,04
